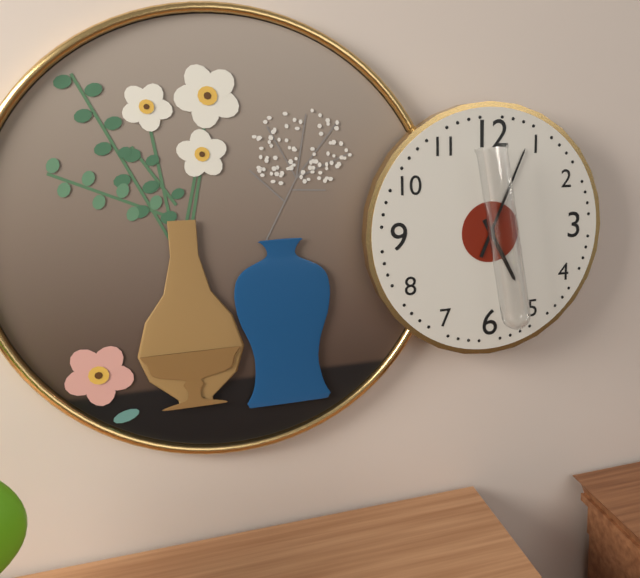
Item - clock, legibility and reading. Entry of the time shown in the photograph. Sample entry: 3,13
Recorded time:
5,04
